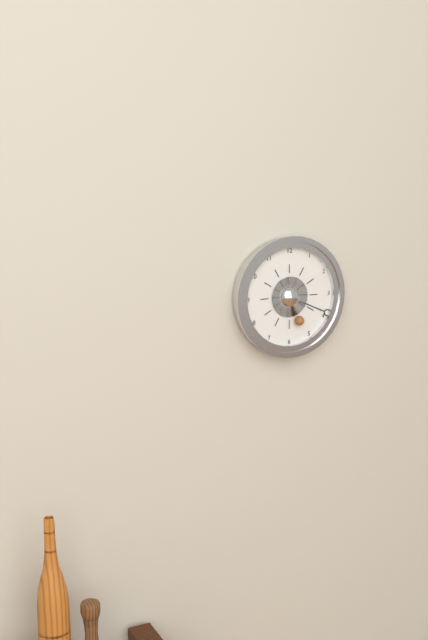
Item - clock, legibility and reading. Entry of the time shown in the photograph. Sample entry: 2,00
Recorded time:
5,19
